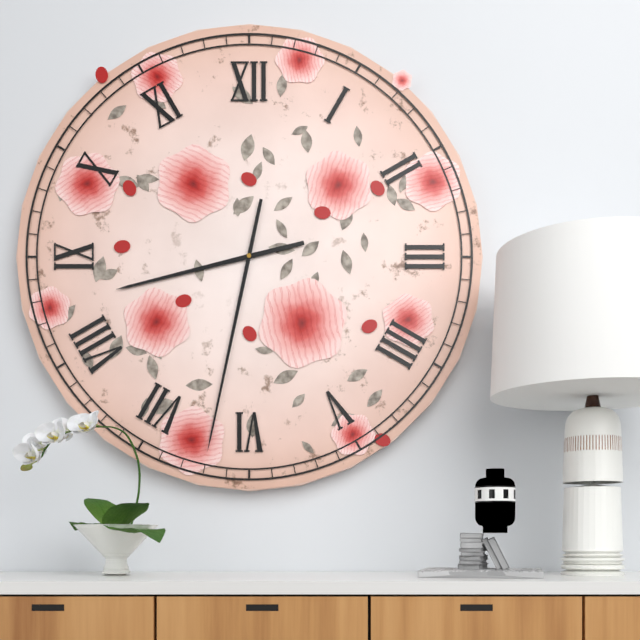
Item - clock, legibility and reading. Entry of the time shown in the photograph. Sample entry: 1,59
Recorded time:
8,32
